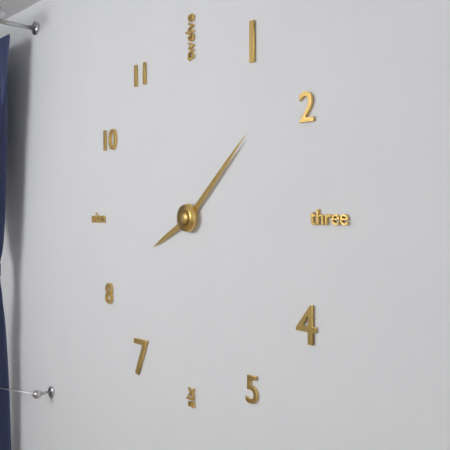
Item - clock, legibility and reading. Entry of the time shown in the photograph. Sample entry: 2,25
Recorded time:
8,08
